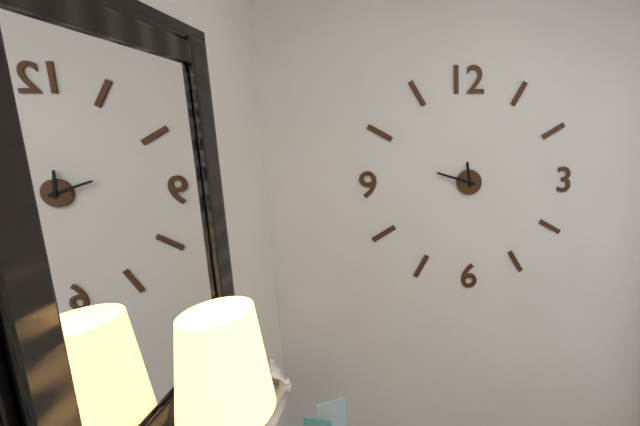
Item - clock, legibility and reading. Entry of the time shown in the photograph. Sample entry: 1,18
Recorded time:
11,48
